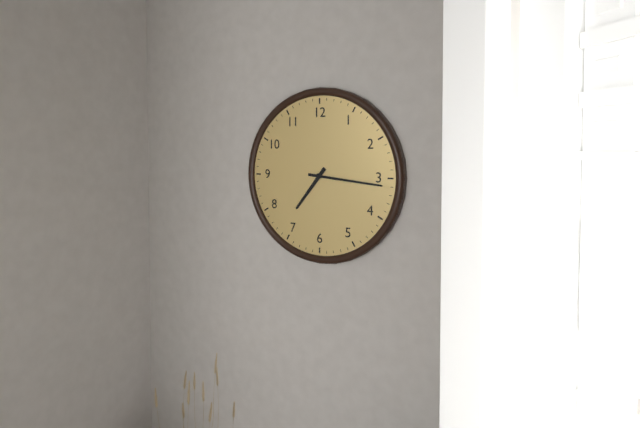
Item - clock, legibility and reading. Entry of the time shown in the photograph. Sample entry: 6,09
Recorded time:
7,16
